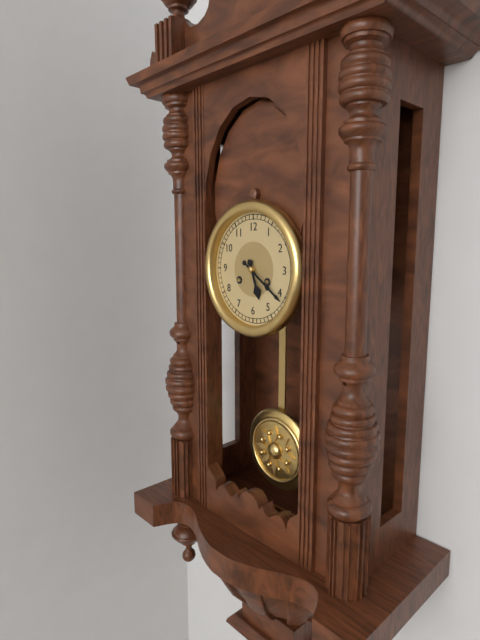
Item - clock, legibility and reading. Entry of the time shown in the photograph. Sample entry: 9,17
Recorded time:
5,21
